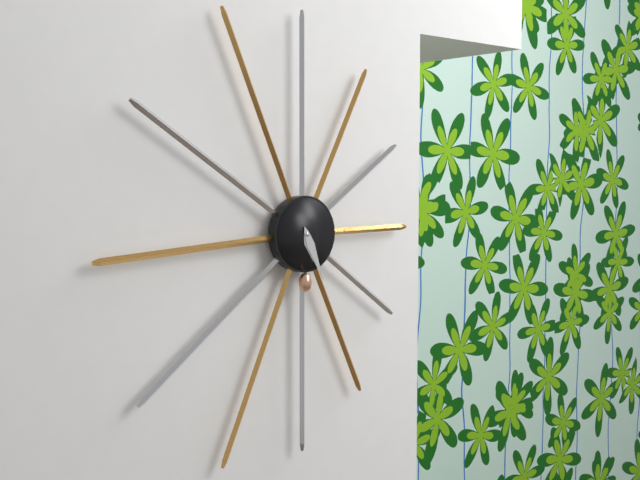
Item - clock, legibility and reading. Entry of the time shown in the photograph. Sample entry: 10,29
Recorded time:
5,26
